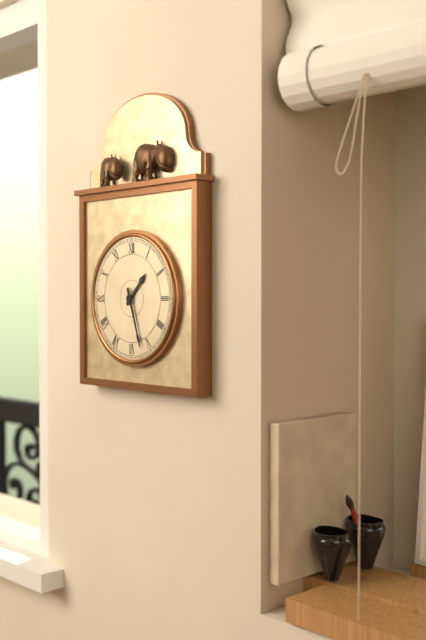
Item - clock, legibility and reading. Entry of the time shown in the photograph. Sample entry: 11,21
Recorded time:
1,27
